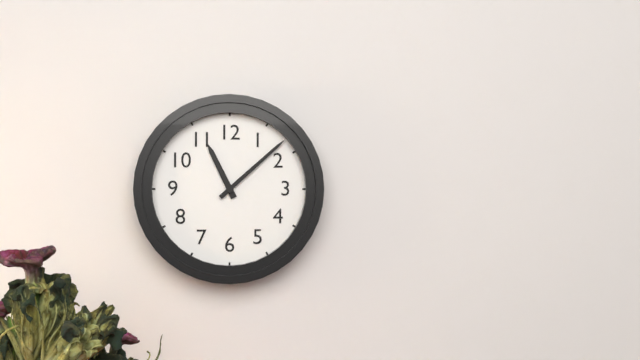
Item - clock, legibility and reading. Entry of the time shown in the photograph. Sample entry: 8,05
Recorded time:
11,08
